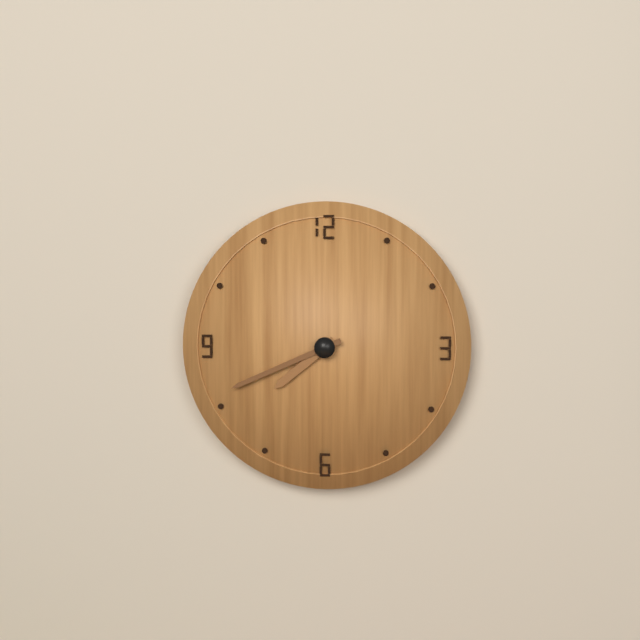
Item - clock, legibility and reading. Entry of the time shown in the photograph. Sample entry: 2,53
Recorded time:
7,41
